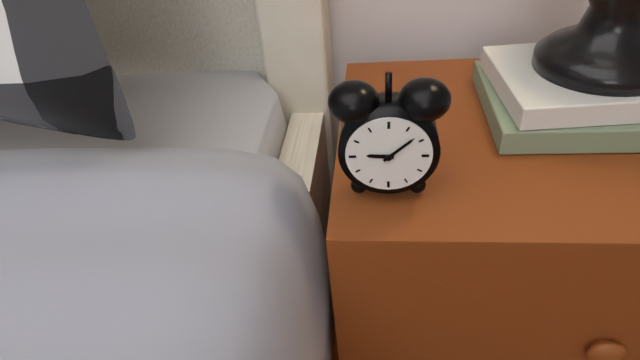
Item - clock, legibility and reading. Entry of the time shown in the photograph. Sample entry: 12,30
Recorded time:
9,08
